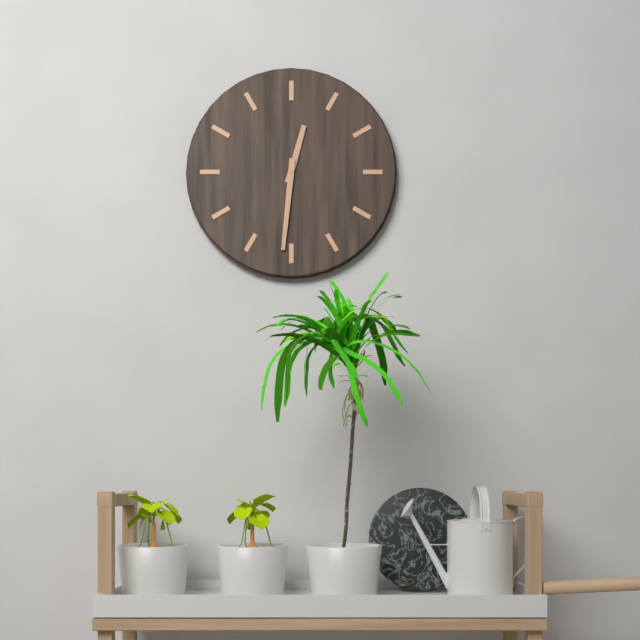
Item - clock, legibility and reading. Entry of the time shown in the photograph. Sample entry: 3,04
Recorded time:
12,31
